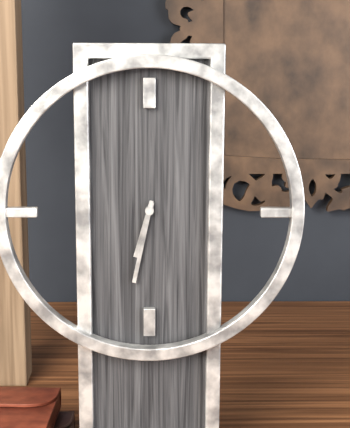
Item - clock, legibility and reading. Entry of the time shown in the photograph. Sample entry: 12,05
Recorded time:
6,32
